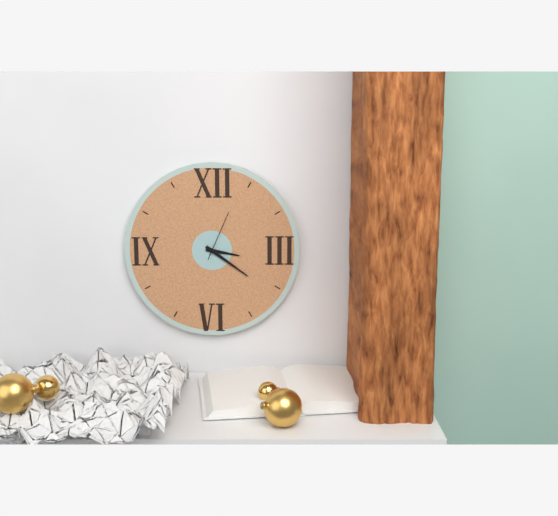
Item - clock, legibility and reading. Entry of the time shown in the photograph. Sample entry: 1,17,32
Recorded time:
3,21,04
